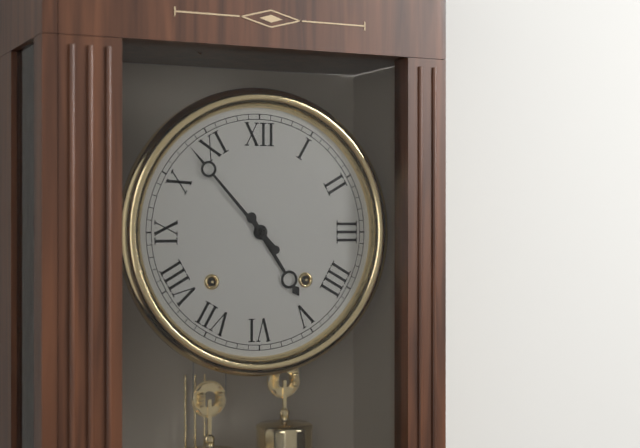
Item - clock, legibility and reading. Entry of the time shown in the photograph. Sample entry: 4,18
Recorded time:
4,53
